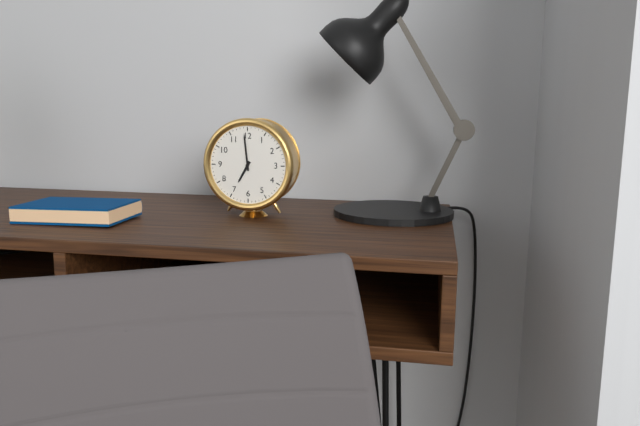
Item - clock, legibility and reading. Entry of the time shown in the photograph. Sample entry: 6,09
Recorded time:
6,59
